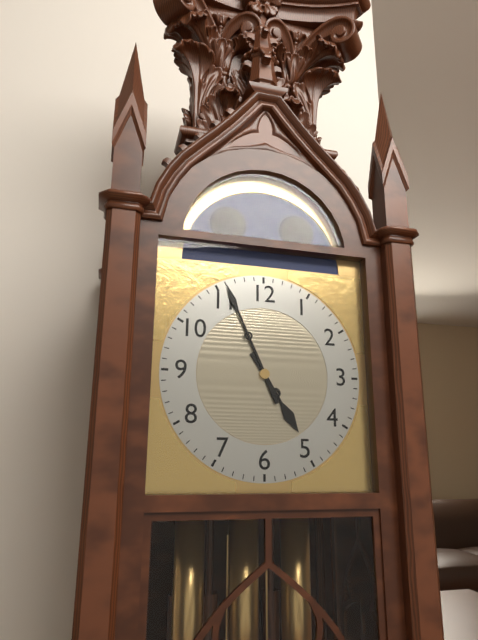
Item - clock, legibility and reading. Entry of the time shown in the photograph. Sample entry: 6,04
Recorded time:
4,56
